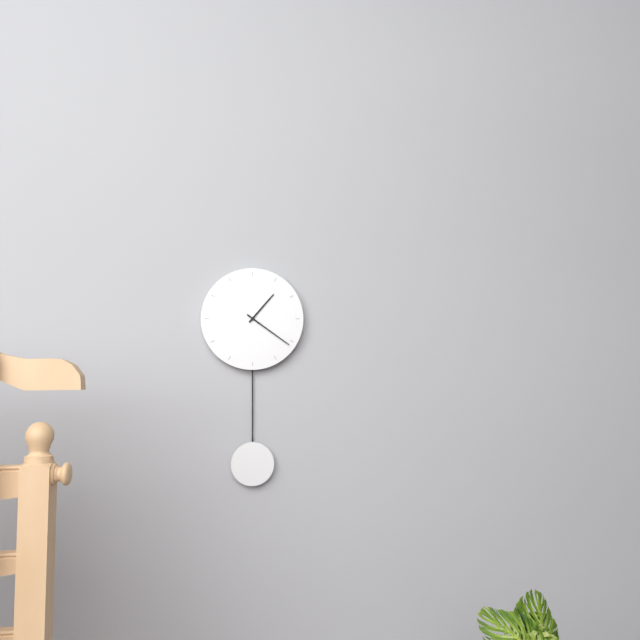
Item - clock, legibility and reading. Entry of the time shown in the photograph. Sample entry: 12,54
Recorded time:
1,21
